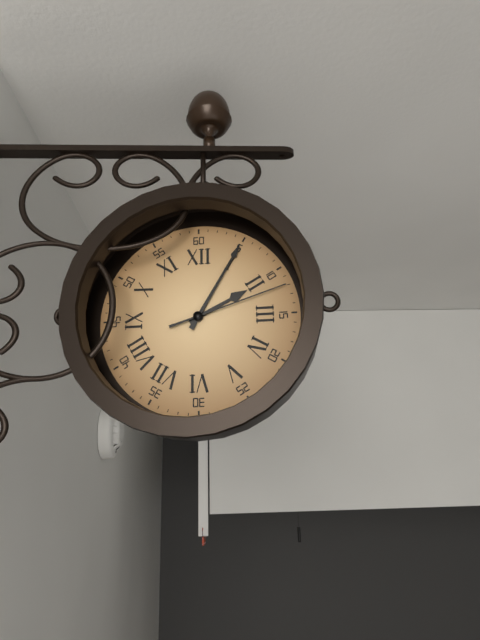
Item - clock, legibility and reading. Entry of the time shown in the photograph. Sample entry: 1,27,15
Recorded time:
2,05,12
